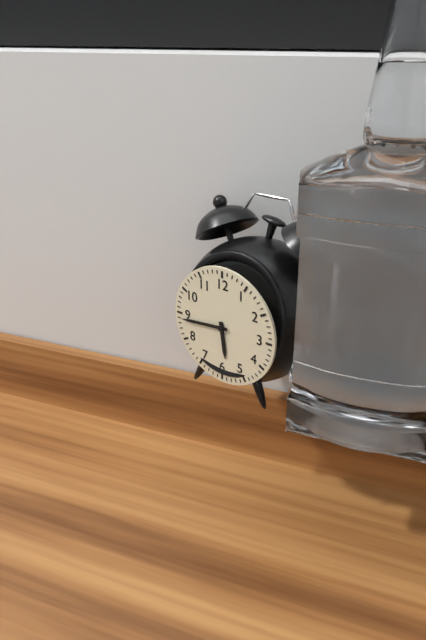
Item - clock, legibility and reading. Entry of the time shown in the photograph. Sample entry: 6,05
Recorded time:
5,44
